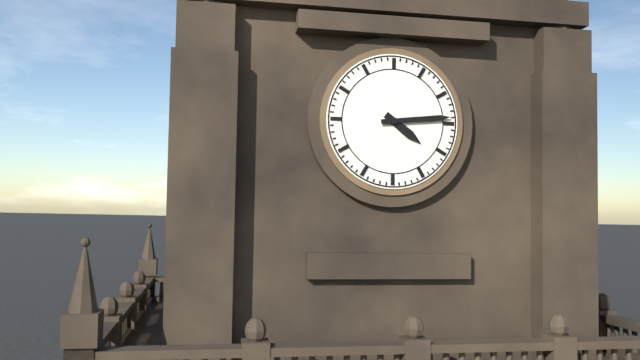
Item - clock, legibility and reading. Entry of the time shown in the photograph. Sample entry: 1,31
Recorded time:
4,14
